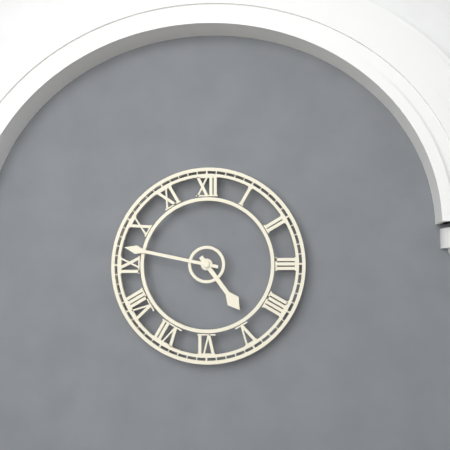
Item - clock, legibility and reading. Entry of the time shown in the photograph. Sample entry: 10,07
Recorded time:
4,47
